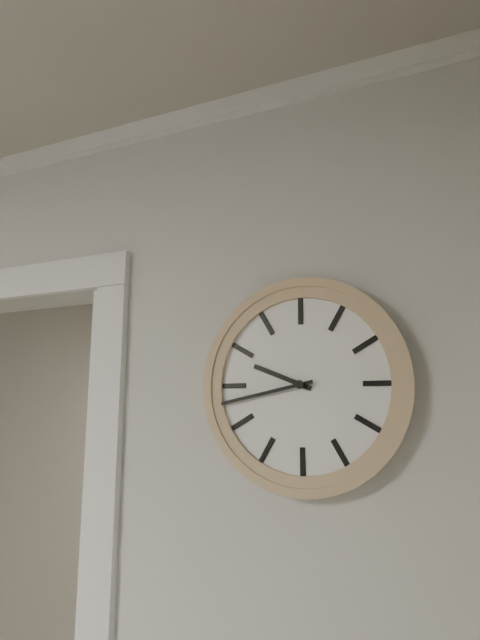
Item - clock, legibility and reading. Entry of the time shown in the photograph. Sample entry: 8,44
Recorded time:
9,43
